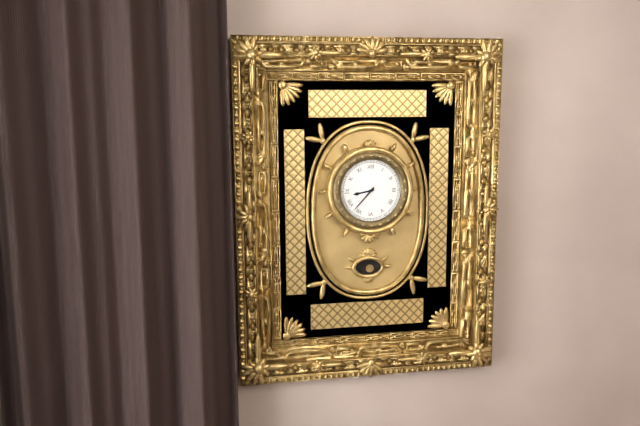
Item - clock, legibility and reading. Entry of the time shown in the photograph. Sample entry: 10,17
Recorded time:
8,37
